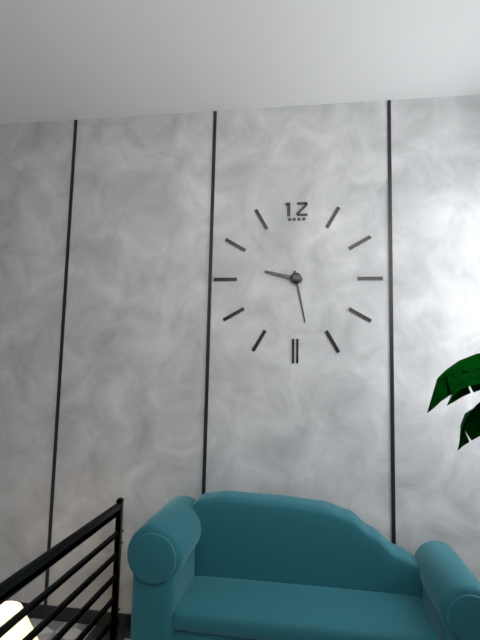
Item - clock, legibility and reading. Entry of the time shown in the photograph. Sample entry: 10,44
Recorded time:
9,28
